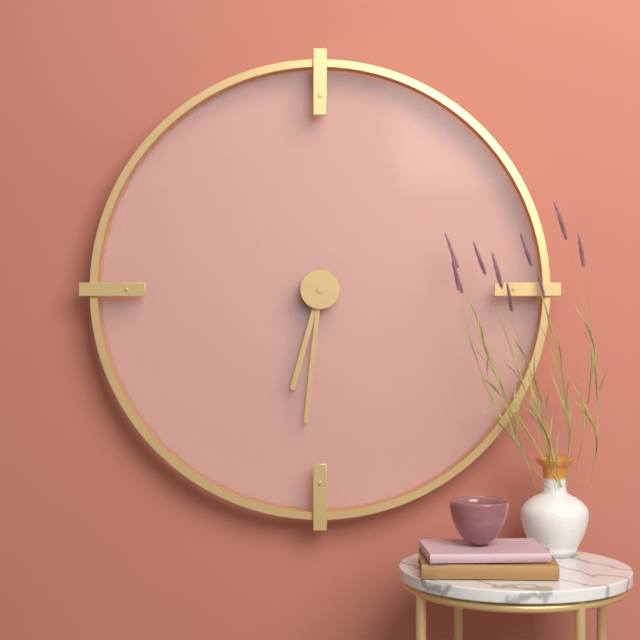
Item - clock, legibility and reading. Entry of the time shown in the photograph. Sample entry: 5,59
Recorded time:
6,31
